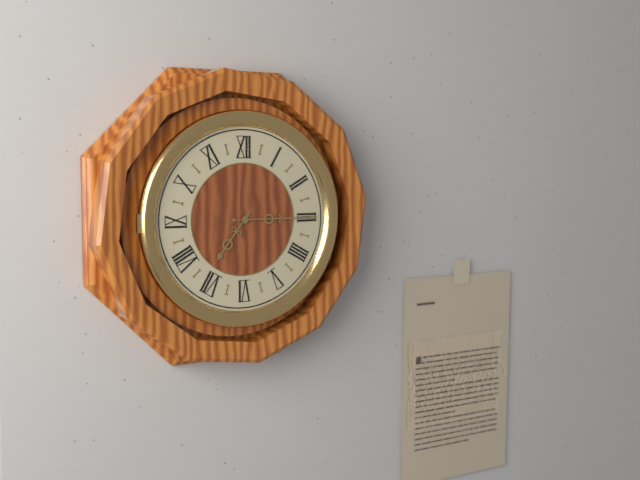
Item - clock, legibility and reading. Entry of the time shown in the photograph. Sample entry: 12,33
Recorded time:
7,15
